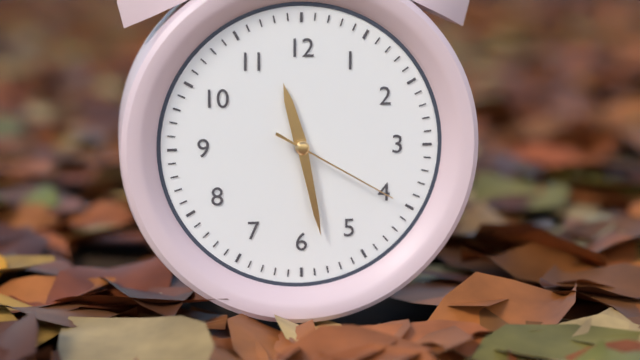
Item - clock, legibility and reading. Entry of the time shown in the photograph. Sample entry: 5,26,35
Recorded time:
11,28,20
